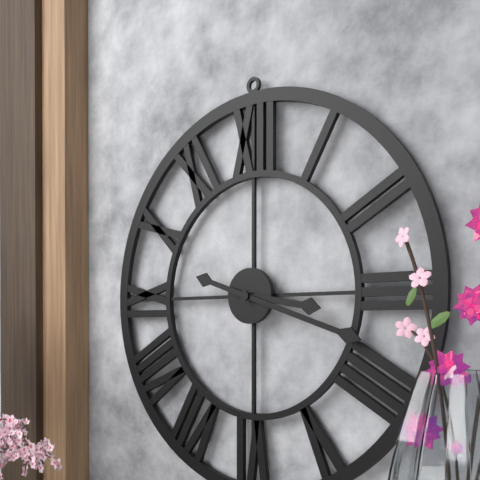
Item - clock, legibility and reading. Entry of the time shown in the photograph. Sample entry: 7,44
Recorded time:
3,18
